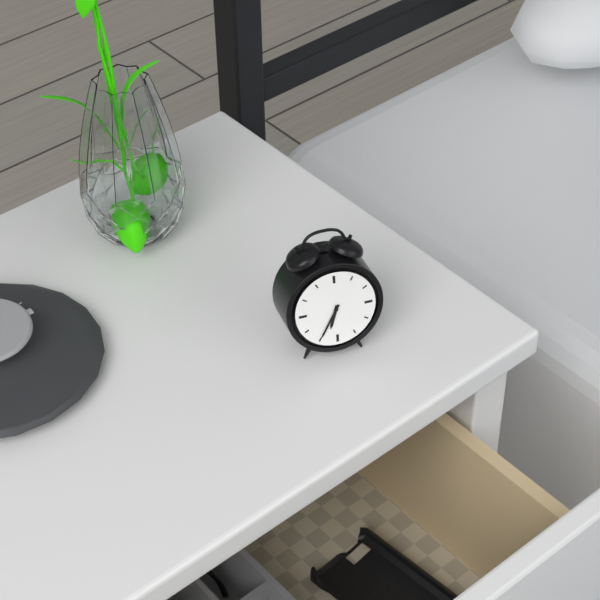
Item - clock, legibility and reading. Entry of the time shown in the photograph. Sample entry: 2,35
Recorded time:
6,35
